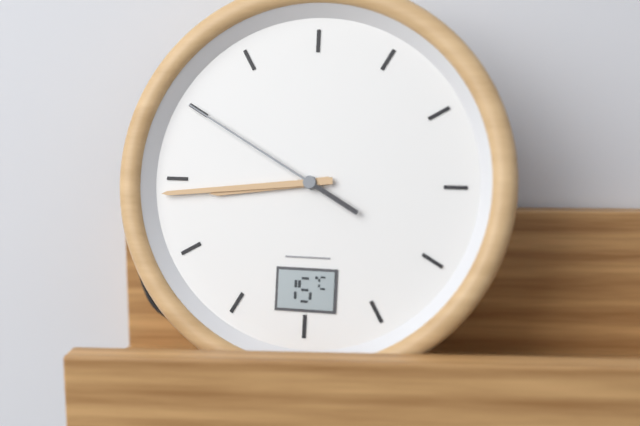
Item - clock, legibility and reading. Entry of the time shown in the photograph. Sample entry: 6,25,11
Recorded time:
8,44,50
